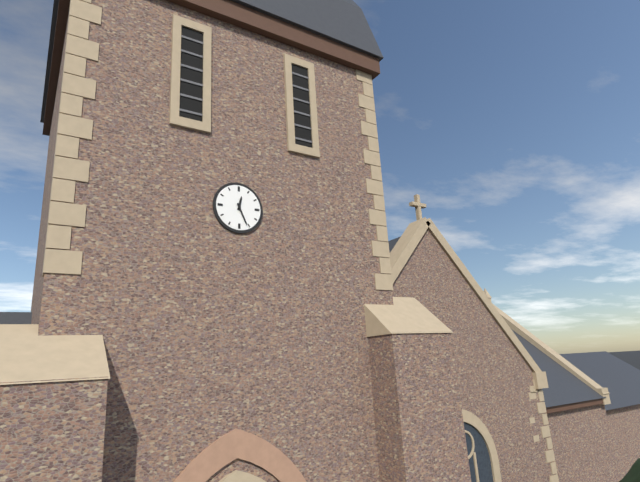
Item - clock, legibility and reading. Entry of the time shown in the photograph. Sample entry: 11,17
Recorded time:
12,26
